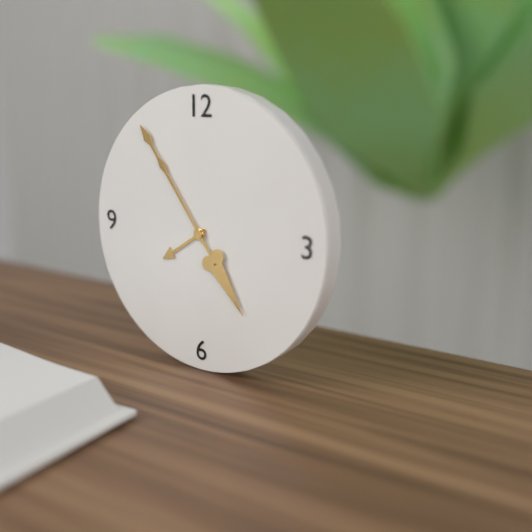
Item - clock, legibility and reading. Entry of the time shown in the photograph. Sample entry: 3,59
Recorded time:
7,54
